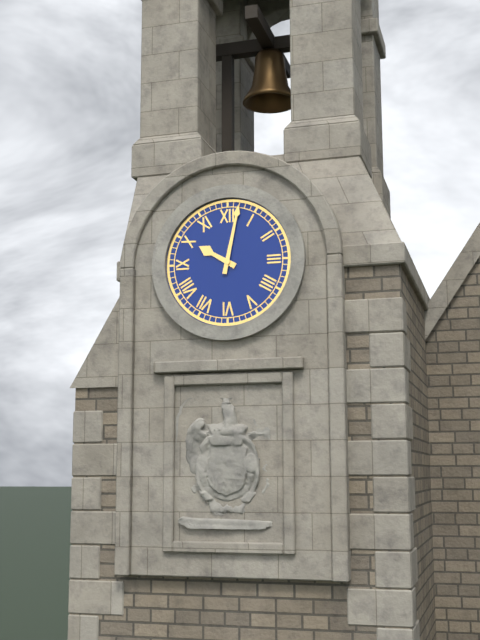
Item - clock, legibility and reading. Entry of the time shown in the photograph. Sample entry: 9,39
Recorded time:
10,02
